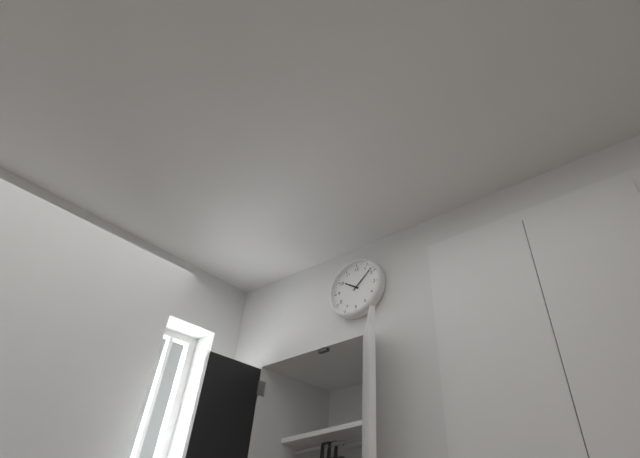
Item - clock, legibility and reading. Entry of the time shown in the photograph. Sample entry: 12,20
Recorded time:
10,08
